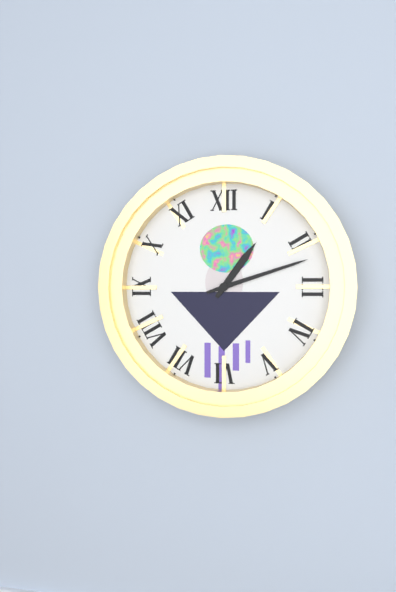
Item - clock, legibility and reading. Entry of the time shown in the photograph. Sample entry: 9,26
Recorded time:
1,12
